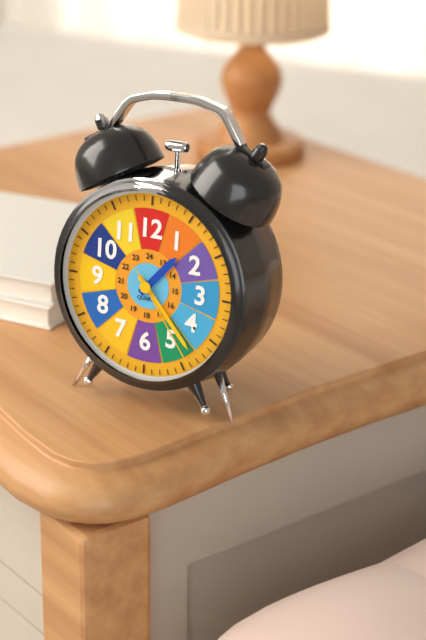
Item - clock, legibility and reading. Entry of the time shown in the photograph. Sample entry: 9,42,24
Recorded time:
1,23,24
